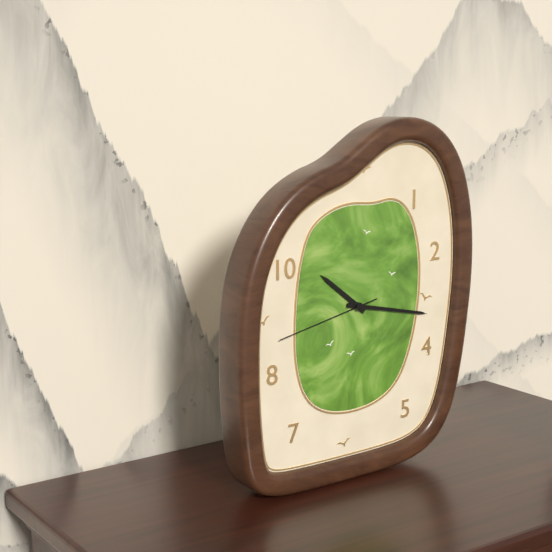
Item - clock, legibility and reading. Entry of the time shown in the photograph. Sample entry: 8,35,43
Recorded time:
10,17,43
